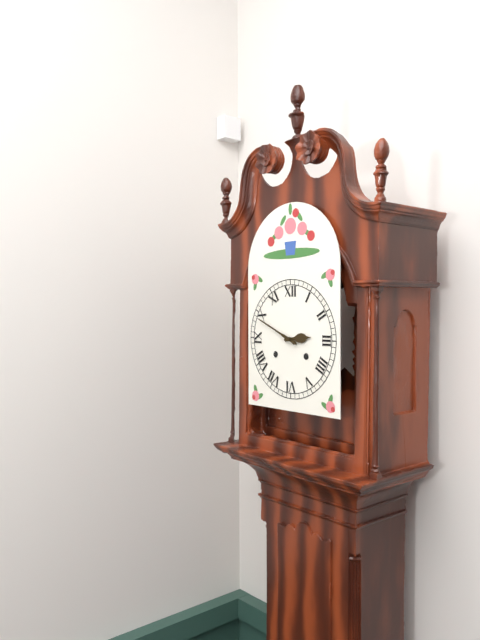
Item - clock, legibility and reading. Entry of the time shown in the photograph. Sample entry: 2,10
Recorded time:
2,49
